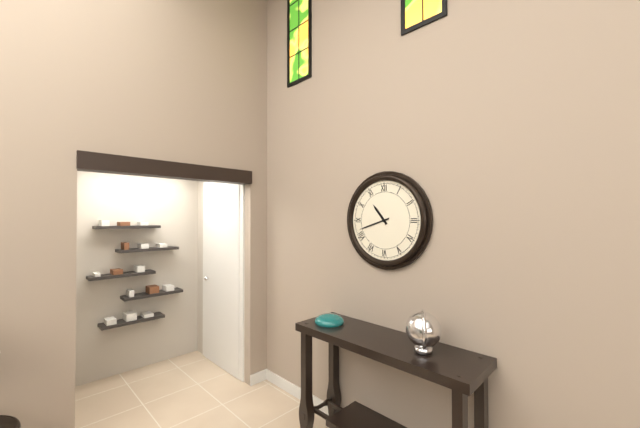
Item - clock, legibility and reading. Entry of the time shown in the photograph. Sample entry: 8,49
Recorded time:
10,42
